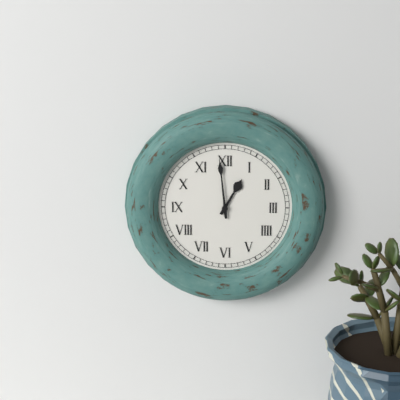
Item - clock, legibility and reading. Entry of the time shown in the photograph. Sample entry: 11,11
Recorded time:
12,59
